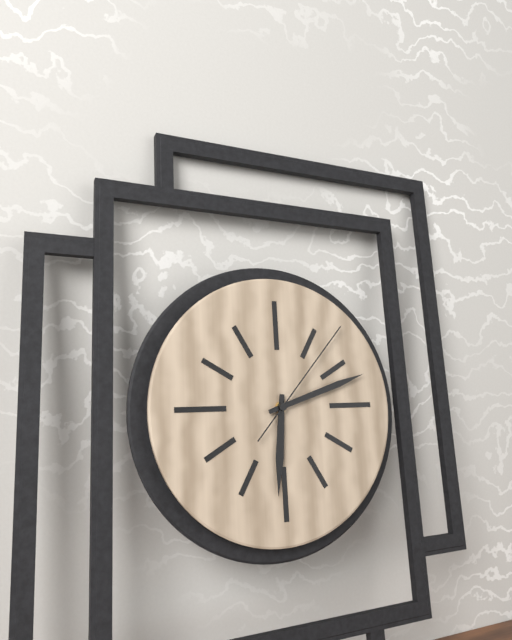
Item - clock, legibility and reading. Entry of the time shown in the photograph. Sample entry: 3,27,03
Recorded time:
6,12,07
